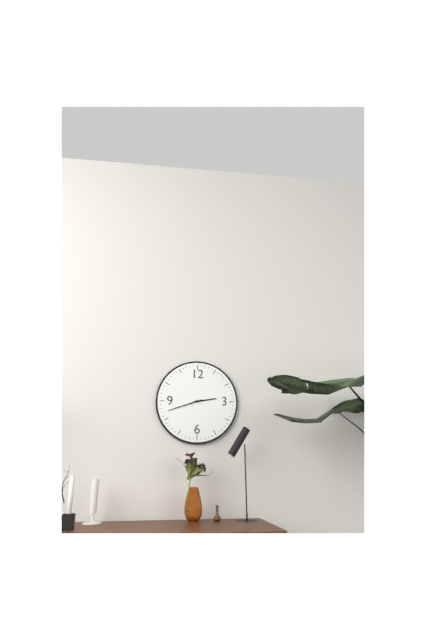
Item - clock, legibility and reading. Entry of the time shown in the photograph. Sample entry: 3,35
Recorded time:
2,42
